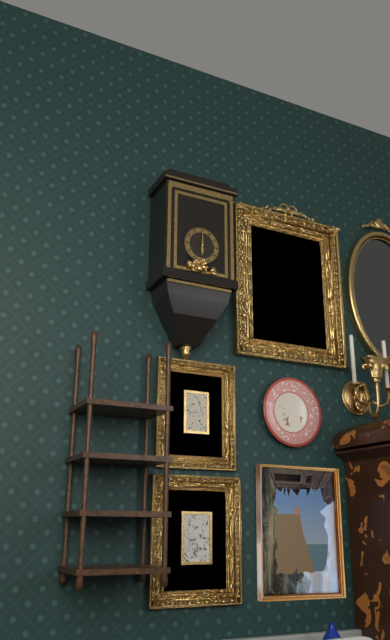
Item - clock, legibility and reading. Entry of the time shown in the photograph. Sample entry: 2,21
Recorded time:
6,00
